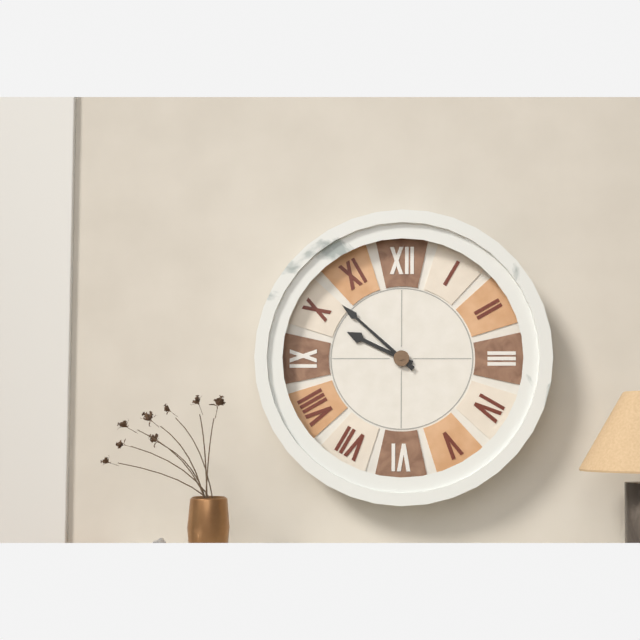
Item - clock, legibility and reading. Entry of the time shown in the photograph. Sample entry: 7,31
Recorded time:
9,52
